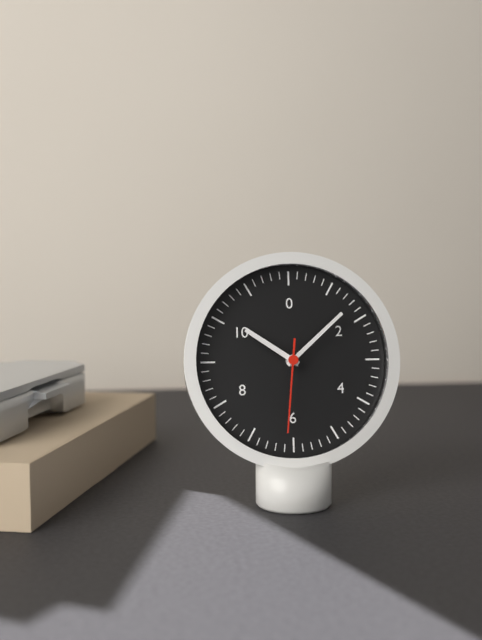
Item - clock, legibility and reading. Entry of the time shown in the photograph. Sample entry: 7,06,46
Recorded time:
10,08,31
